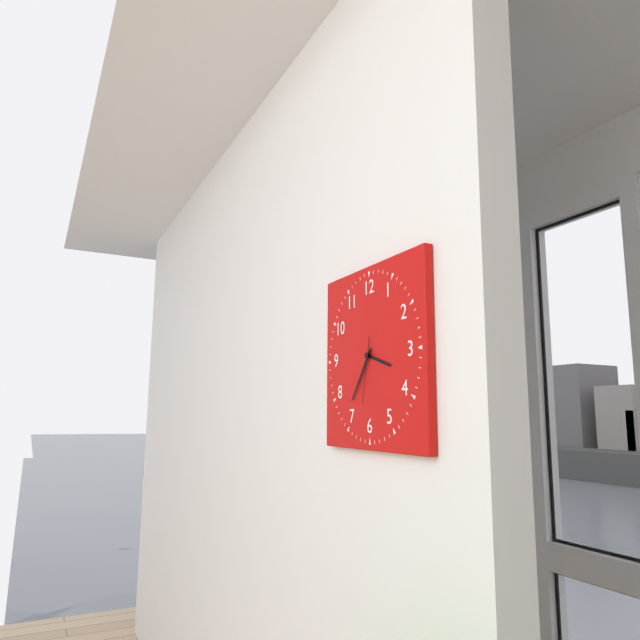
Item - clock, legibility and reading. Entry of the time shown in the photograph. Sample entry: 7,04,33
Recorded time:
3,36,32
